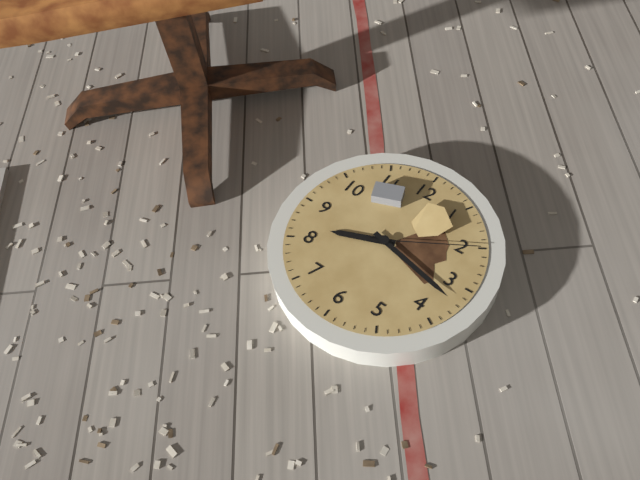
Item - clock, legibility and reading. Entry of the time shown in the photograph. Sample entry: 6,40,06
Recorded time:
8,17,10
